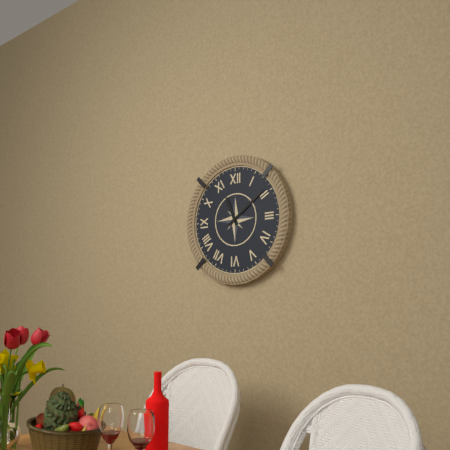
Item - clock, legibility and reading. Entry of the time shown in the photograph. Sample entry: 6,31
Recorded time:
11,09
